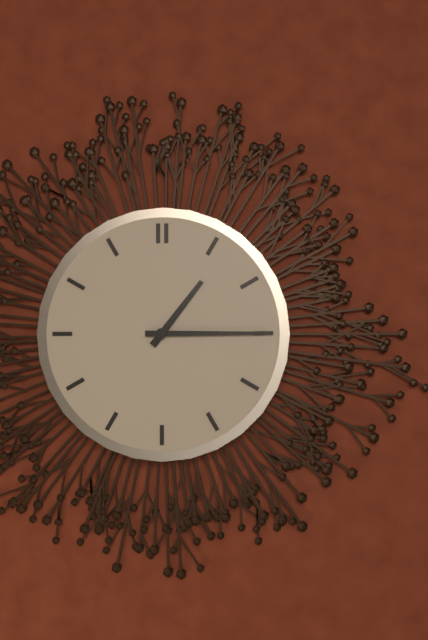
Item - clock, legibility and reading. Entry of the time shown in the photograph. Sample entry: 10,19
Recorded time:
1,15
